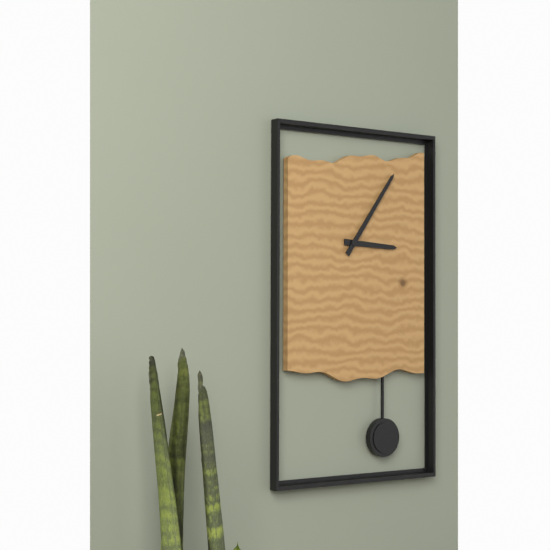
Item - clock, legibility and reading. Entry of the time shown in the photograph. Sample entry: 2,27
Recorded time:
3,06
